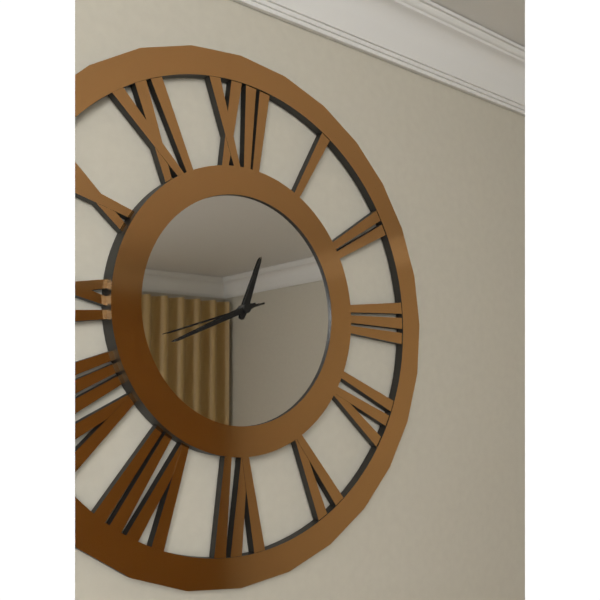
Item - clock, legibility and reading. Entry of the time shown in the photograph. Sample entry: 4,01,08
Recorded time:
12,41,42
